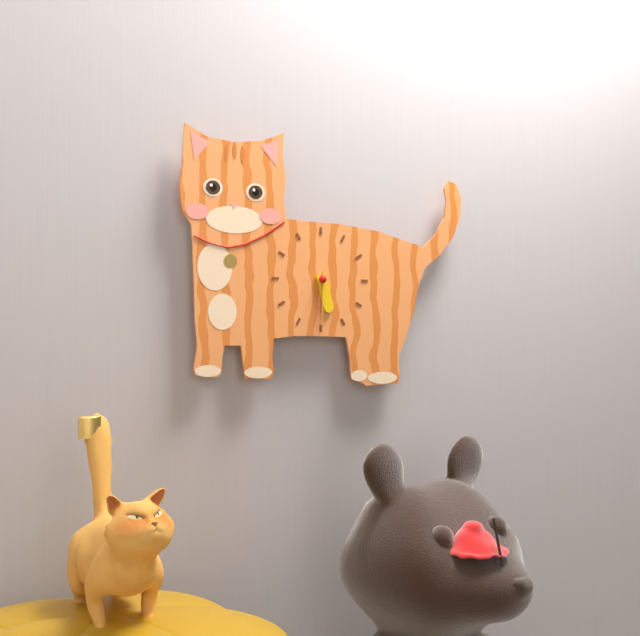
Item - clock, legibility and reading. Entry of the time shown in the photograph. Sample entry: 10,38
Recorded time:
5,30
